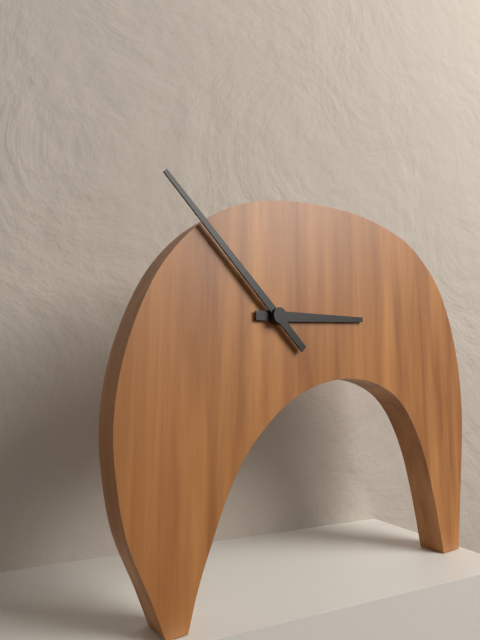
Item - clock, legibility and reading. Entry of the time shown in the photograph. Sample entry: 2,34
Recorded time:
2,52
